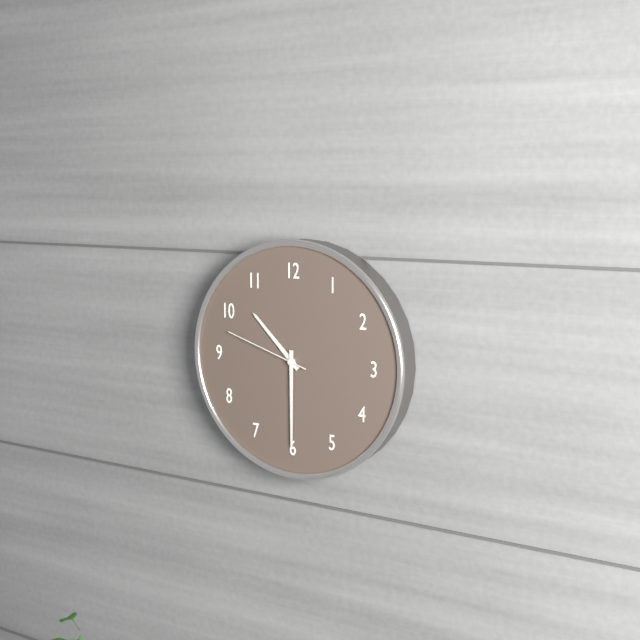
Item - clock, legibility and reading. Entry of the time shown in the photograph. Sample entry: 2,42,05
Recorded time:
10,30,48
